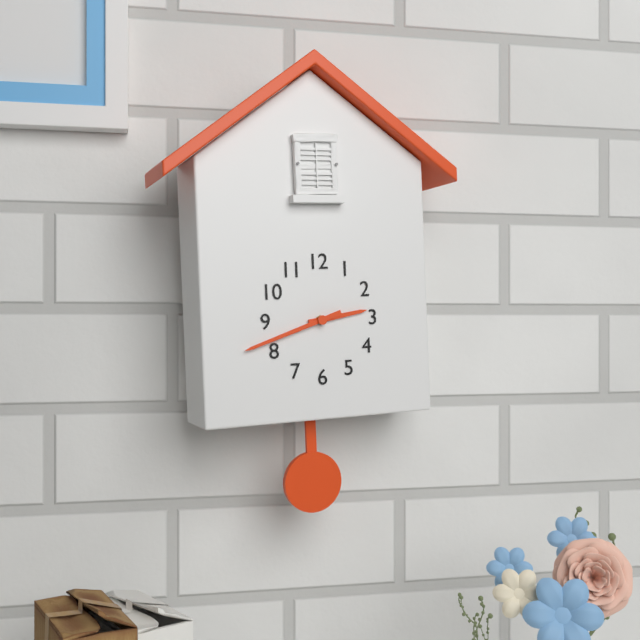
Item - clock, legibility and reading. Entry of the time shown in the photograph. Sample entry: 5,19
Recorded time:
2,42
